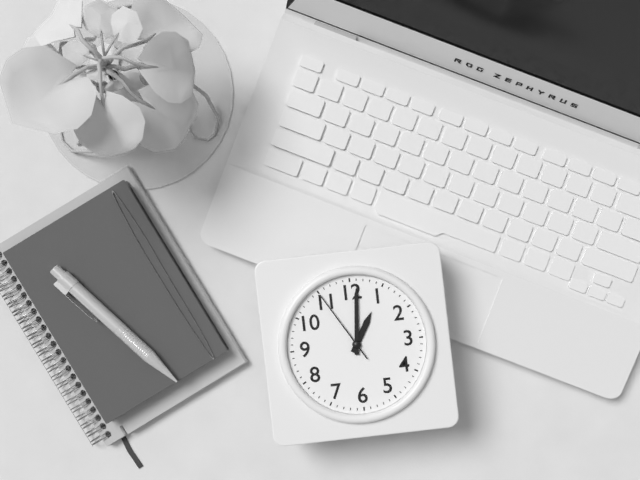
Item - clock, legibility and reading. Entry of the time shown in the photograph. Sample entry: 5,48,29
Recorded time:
1,01,55
